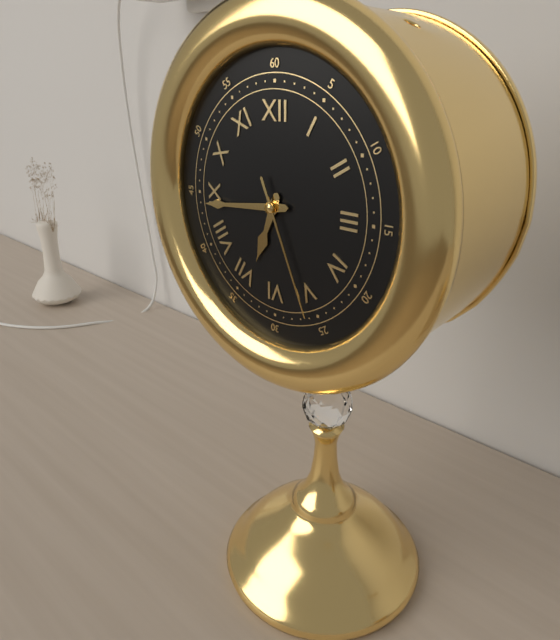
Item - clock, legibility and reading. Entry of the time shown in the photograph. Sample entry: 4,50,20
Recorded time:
6,44,26
